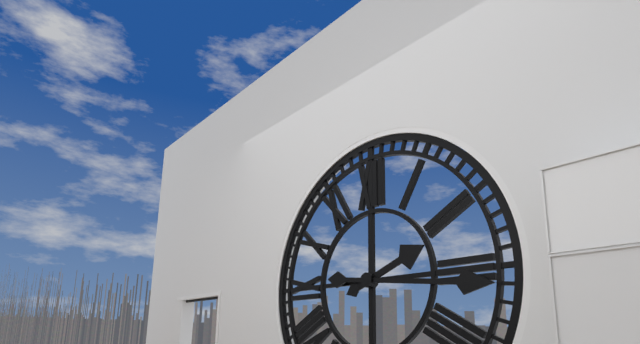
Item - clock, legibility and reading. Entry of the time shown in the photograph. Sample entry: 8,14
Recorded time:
2,16
